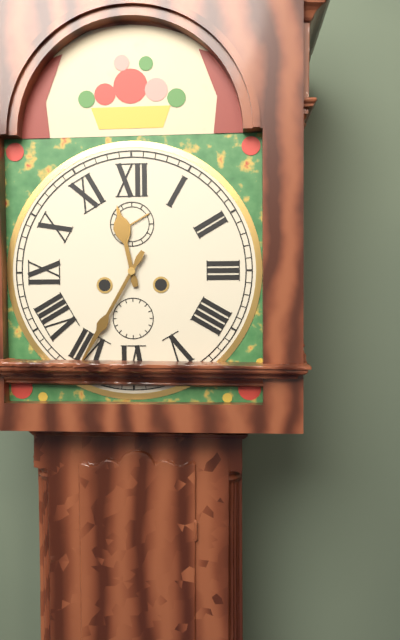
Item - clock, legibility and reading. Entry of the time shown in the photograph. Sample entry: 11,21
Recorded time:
11,35
